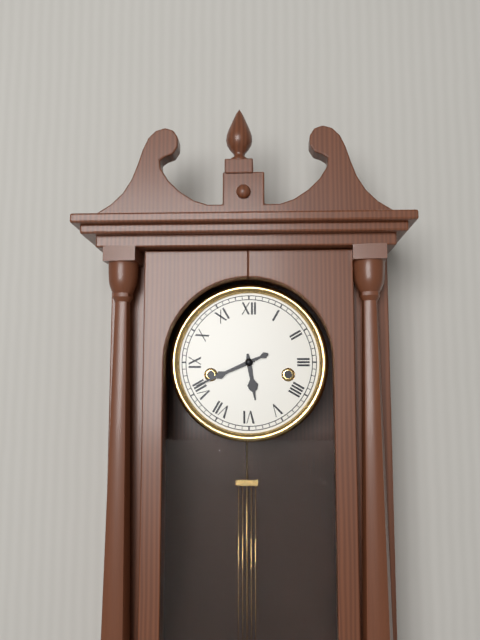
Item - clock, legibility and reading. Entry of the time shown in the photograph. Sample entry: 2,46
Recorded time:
5,41
